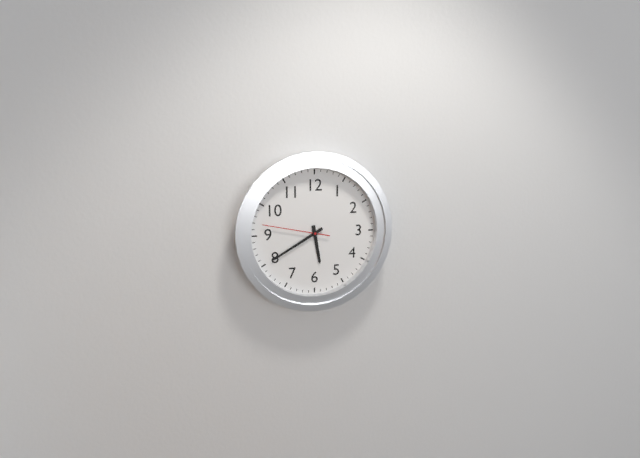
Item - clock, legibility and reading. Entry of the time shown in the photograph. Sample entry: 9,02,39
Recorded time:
5,40,47
